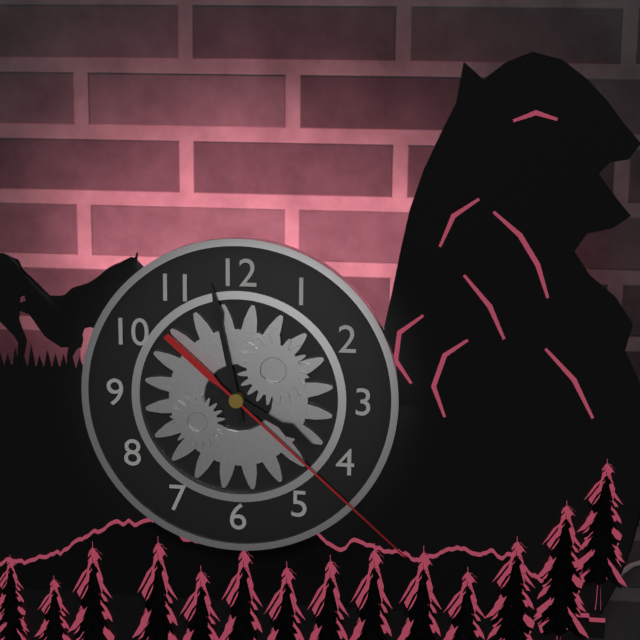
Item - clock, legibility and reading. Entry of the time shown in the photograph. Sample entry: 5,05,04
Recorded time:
3,58,22
